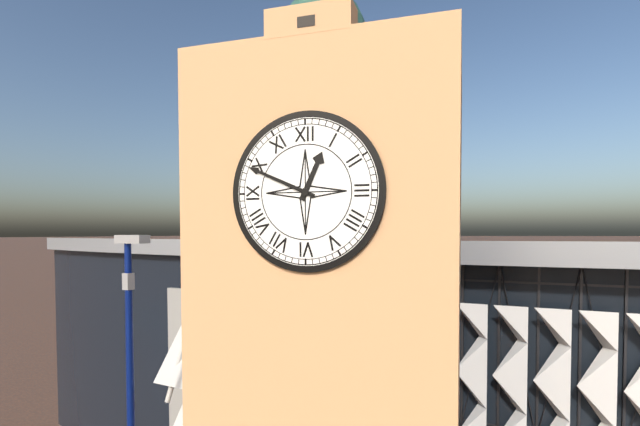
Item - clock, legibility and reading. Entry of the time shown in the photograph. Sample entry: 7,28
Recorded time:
12,49
